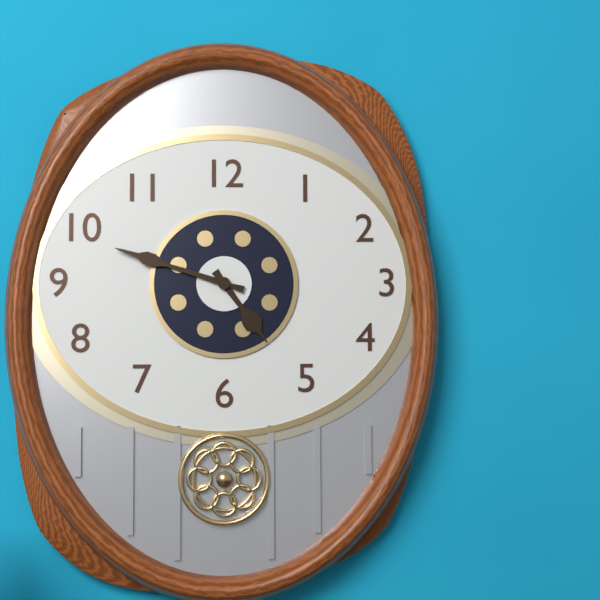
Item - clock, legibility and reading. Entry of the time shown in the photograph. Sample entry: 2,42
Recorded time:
4,48
